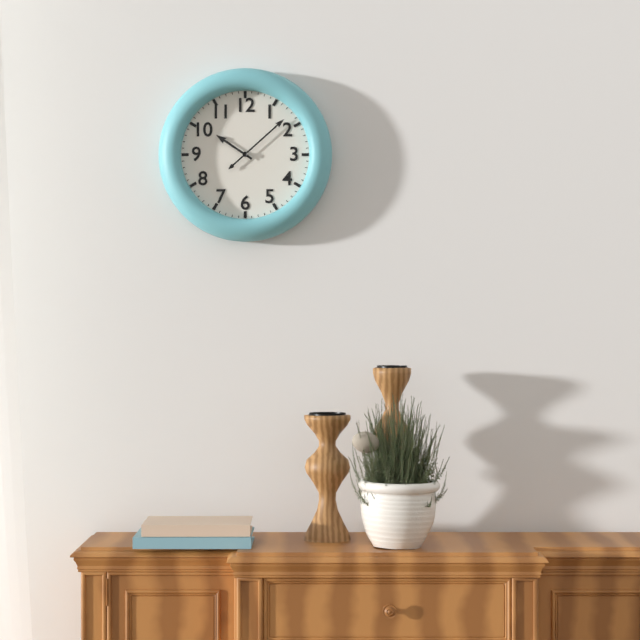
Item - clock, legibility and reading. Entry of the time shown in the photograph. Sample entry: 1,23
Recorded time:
10,08
